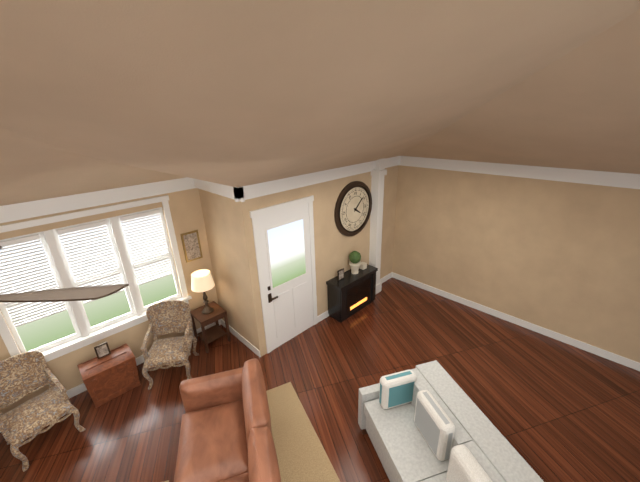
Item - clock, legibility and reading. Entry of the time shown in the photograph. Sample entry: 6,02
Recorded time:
4,08
